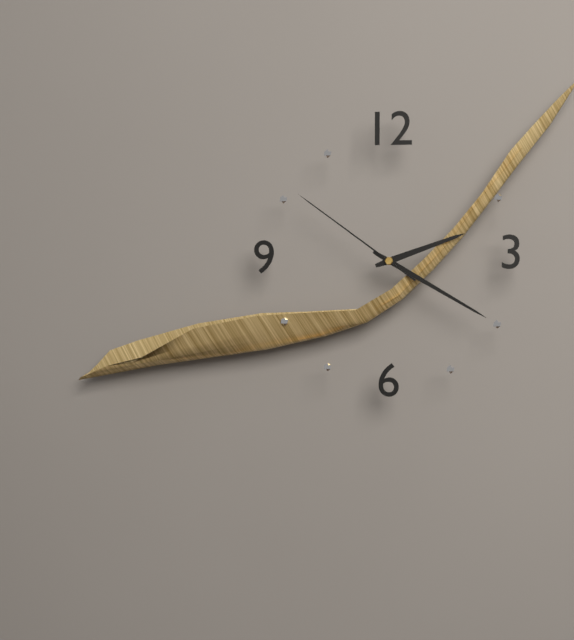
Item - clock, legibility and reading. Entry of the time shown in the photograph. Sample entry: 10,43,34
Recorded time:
2,20,51
